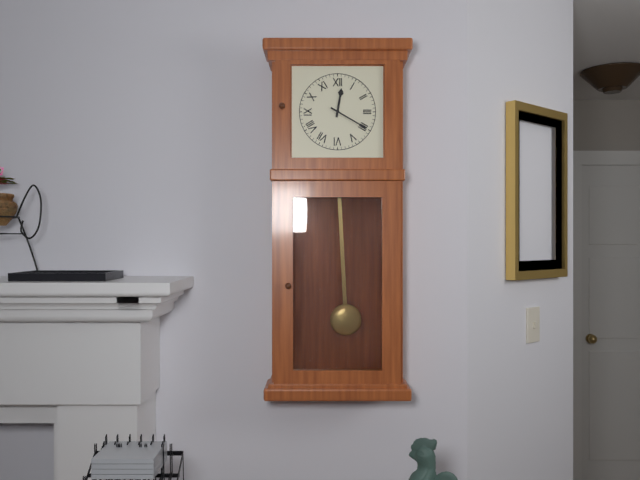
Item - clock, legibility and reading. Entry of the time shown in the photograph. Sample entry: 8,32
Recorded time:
12,20
